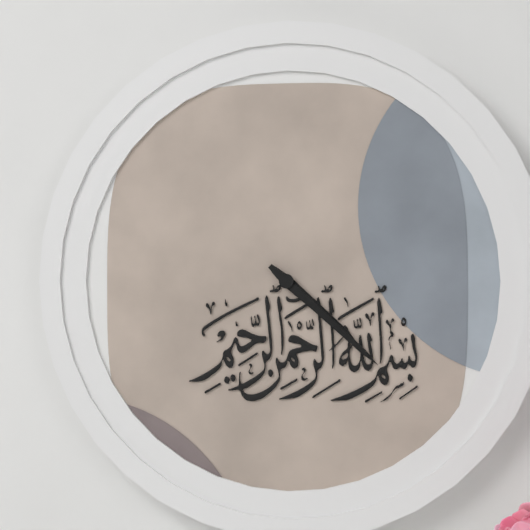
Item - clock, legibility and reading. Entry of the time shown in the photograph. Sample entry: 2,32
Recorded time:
4,22
